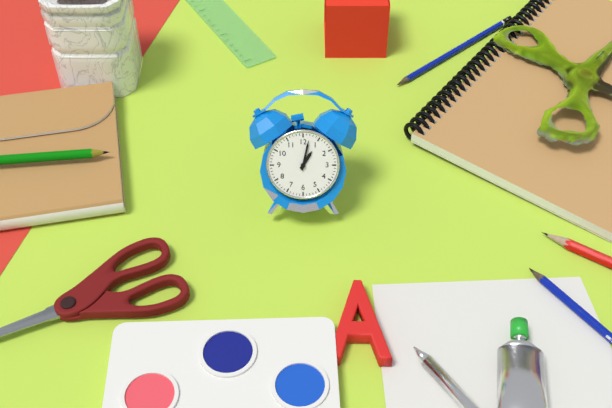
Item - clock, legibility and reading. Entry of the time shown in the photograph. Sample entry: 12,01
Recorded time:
1,02
